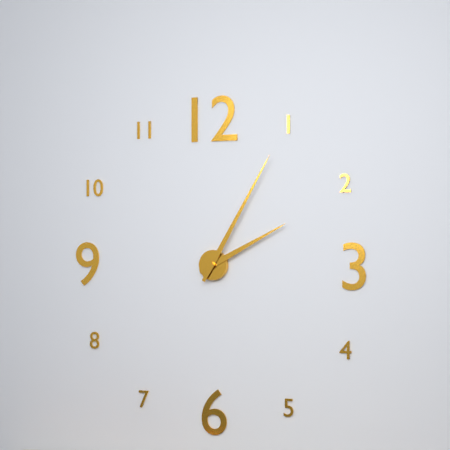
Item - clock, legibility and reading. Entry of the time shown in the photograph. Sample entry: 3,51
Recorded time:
2,05
